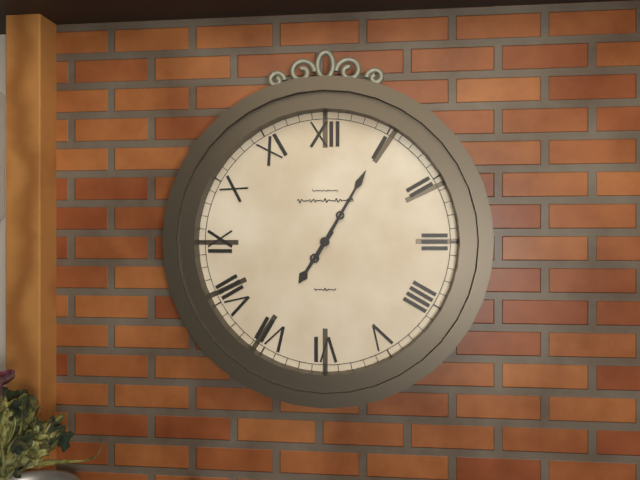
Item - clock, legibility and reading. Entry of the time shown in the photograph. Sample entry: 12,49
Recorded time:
7,05
